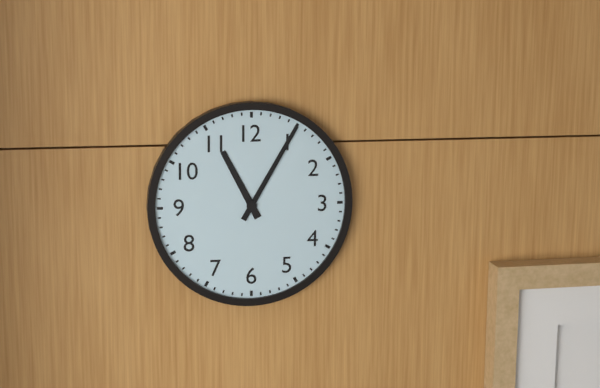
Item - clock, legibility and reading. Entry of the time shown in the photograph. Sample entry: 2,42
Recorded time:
11,05
